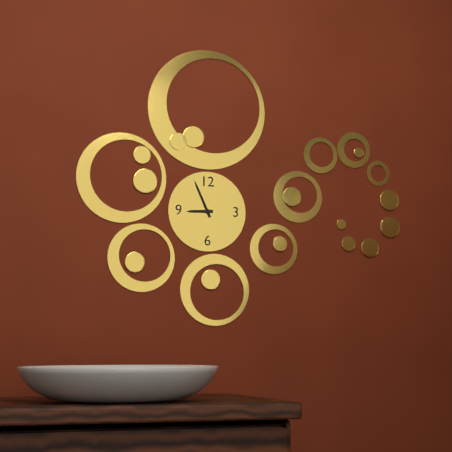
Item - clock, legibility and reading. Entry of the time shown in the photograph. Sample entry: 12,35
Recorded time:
8,56
